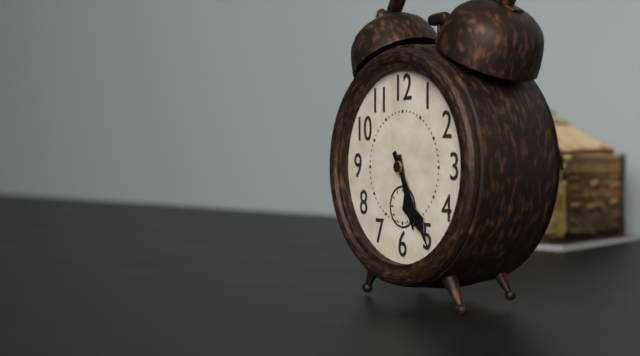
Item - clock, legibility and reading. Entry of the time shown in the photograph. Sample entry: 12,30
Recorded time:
5,25
